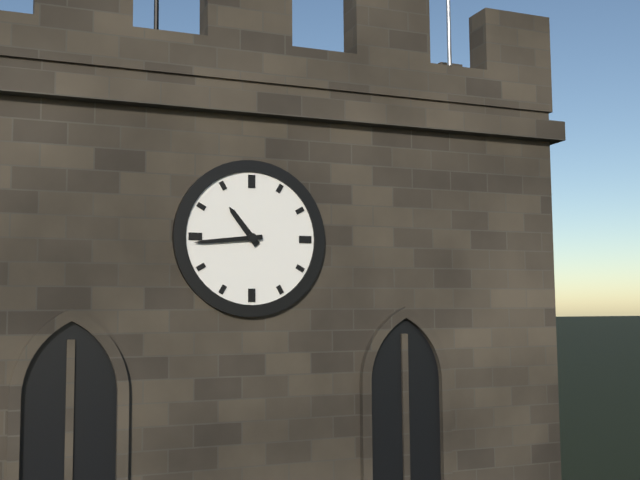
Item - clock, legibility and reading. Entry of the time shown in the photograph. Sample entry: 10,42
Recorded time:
10,44
